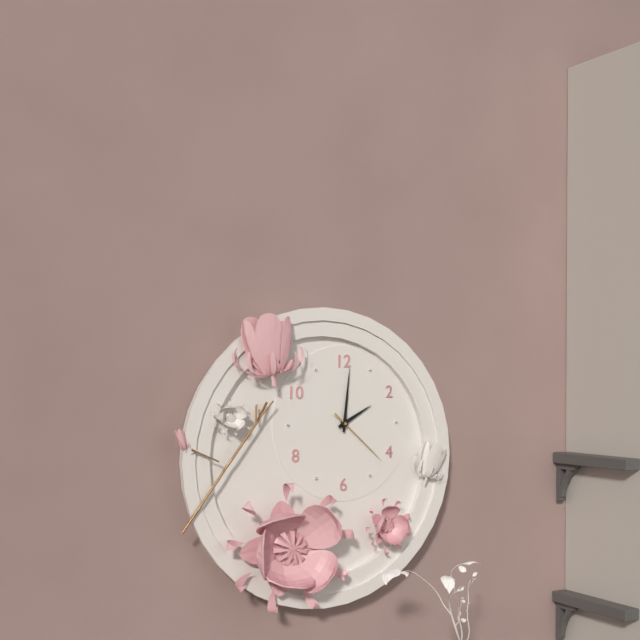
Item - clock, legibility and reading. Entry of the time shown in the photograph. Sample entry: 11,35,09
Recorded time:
2,01,22
